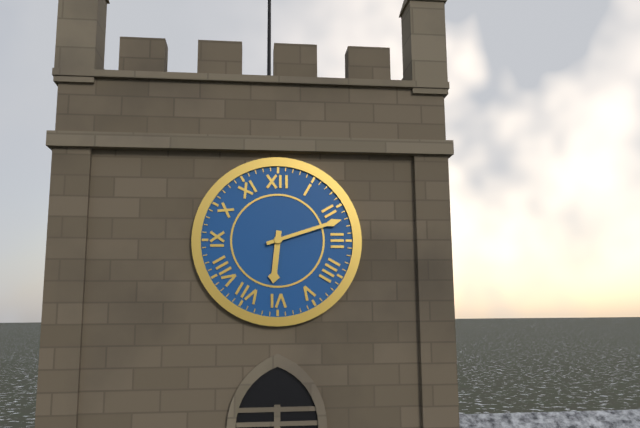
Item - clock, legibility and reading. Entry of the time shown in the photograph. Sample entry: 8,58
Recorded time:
6,12
